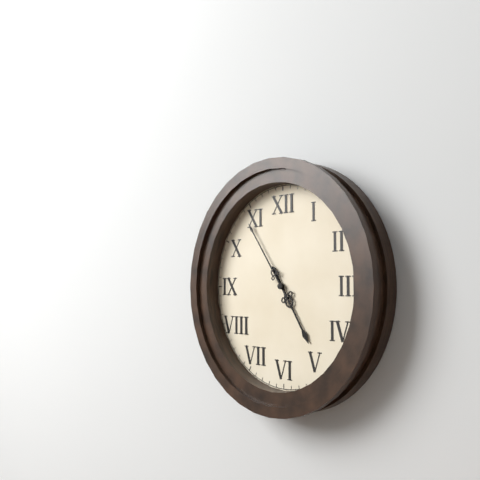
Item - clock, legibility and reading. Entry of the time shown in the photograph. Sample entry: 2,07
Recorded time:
4,54
